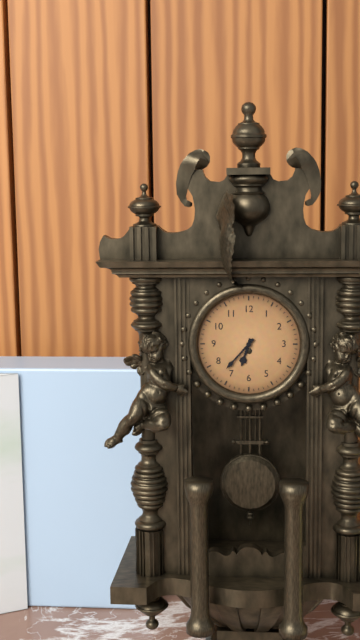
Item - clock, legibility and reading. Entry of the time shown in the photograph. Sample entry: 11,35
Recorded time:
6,37
